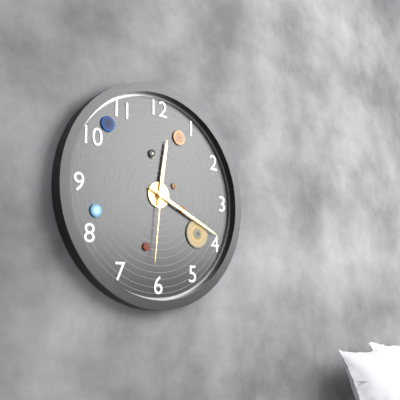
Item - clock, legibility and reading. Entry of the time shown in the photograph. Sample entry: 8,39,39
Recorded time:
12,19,31
